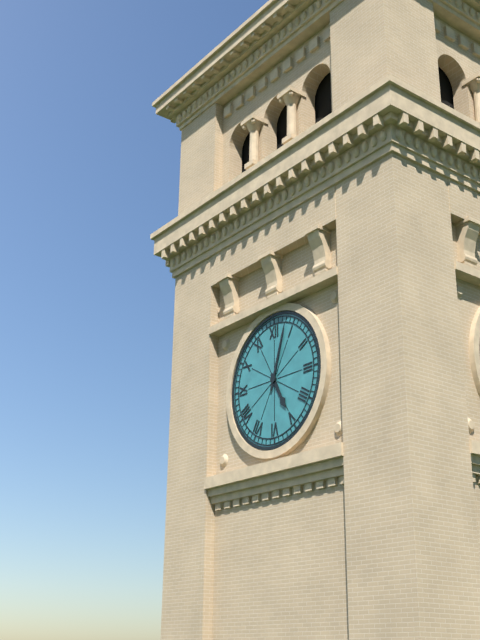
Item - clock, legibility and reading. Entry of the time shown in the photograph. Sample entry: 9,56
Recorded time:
5,03
